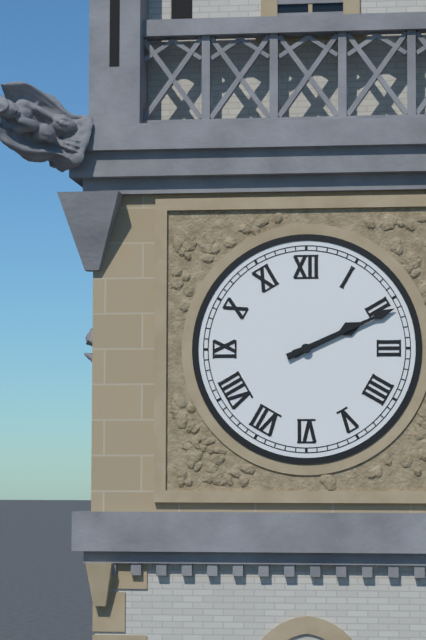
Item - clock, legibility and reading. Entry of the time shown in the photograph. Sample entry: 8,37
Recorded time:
2,11
